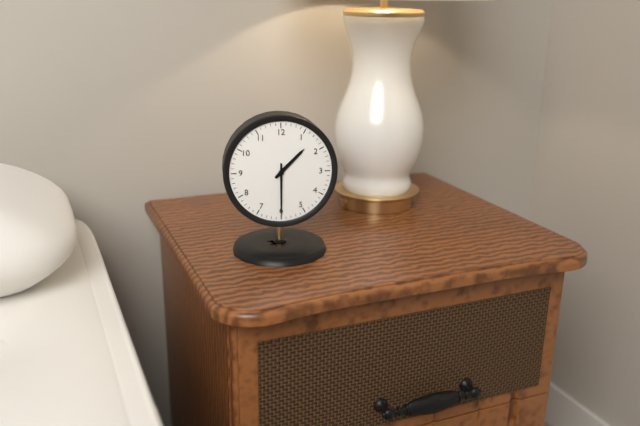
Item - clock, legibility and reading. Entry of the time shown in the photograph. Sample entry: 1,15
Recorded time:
1,30
